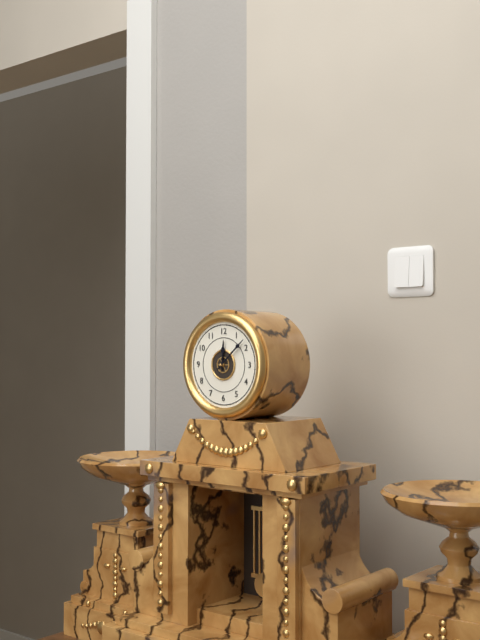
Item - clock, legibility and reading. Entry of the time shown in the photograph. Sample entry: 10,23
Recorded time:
12,08
